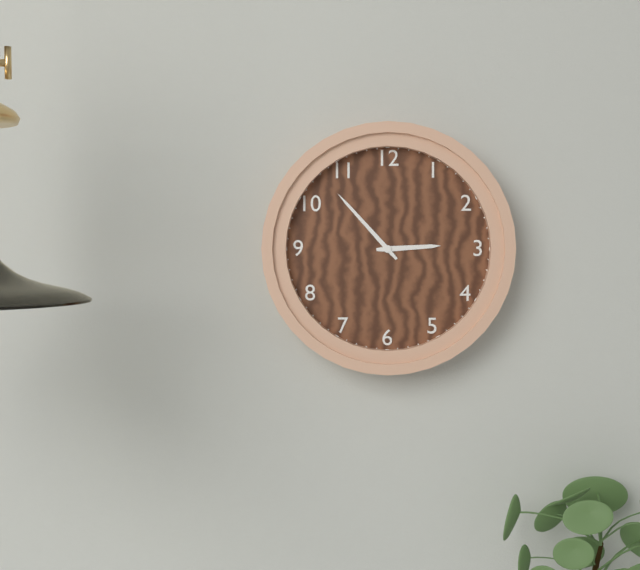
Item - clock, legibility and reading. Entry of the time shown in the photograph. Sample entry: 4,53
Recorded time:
2,53
